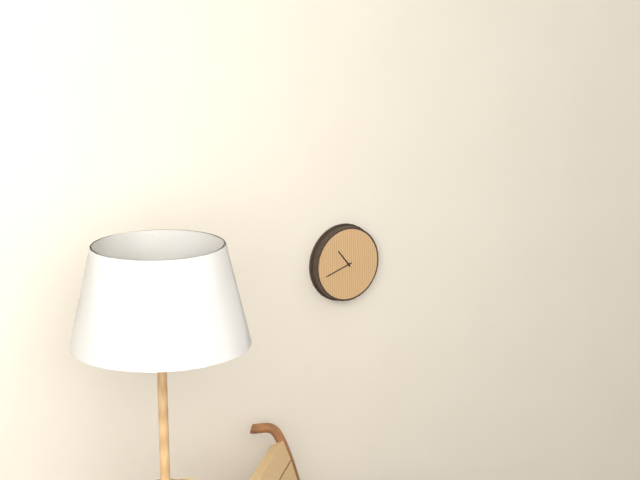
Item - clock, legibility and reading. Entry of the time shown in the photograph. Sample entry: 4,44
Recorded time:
10,42
